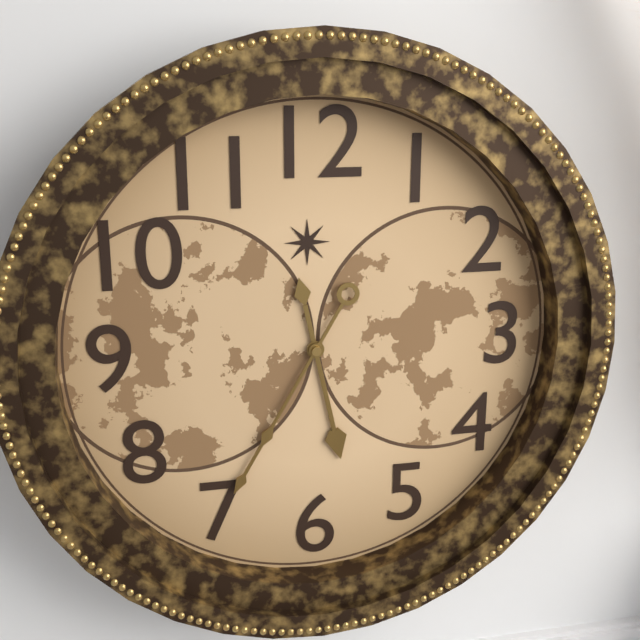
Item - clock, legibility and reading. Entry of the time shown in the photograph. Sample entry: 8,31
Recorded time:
5,35
